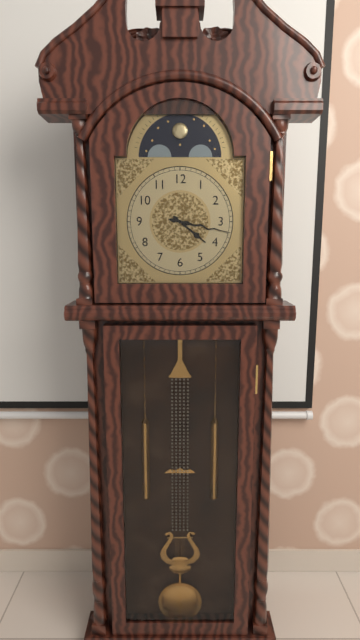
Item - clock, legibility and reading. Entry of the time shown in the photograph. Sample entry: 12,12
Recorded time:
4,17
